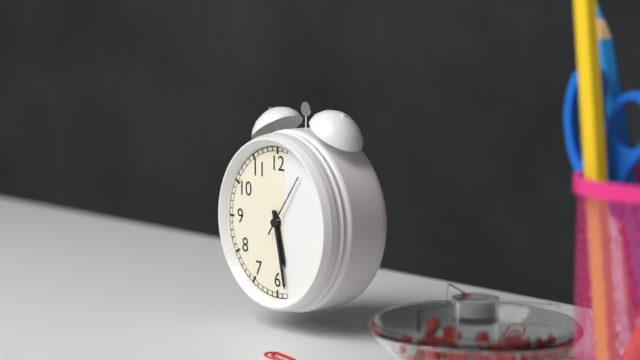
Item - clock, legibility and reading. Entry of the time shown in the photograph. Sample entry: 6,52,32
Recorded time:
5,28,06
